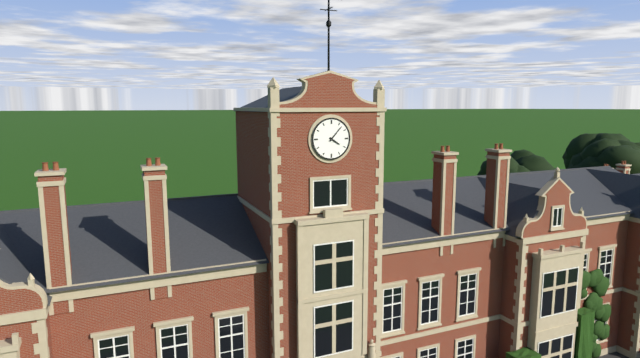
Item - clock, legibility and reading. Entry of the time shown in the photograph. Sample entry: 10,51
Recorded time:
4,07
